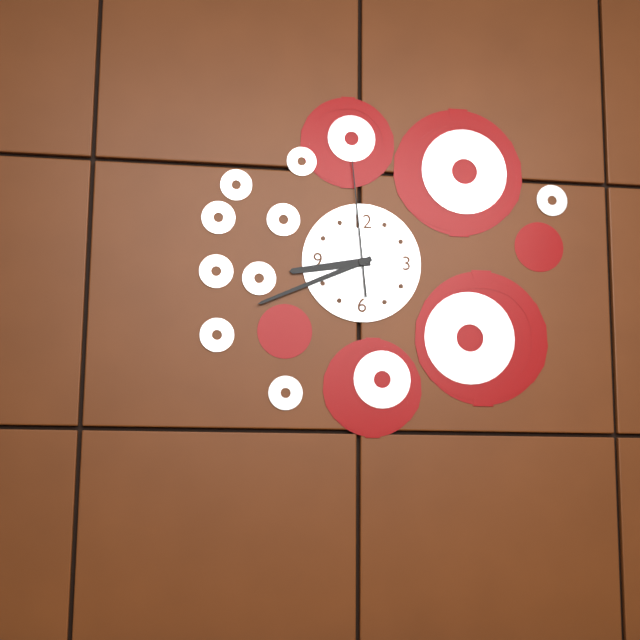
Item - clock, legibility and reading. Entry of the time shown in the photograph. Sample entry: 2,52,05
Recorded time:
8,41,59
